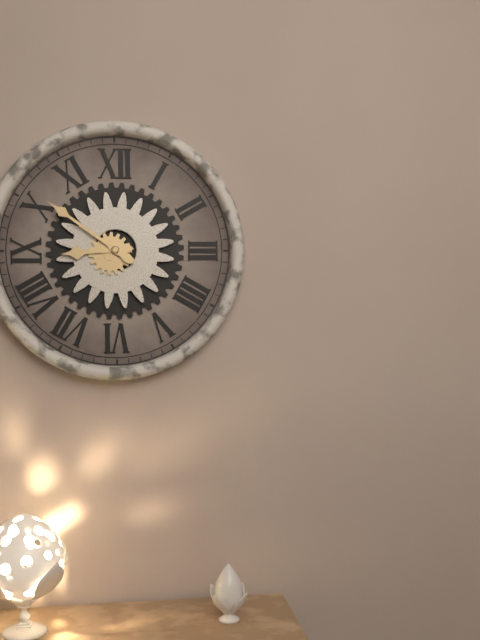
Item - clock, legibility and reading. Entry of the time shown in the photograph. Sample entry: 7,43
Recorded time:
8,51
